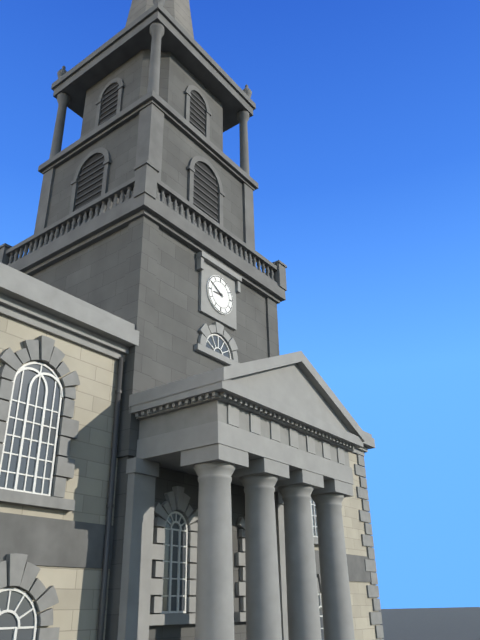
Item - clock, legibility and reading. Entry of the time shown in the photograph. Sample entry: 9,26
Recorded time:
8,50
